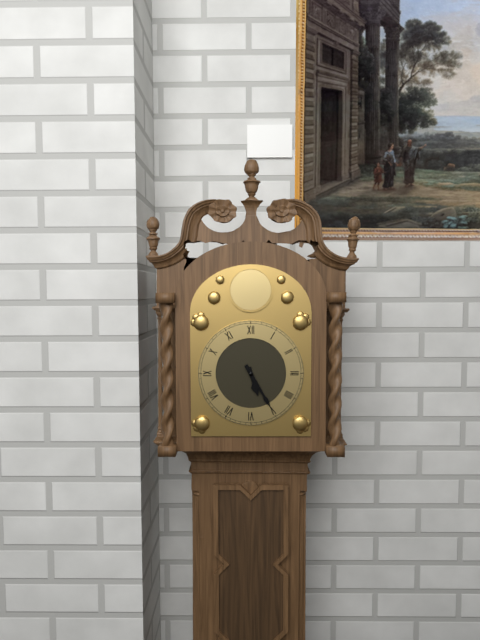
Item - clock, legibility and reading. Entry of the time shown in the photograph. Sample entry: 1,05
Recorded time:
5,25
